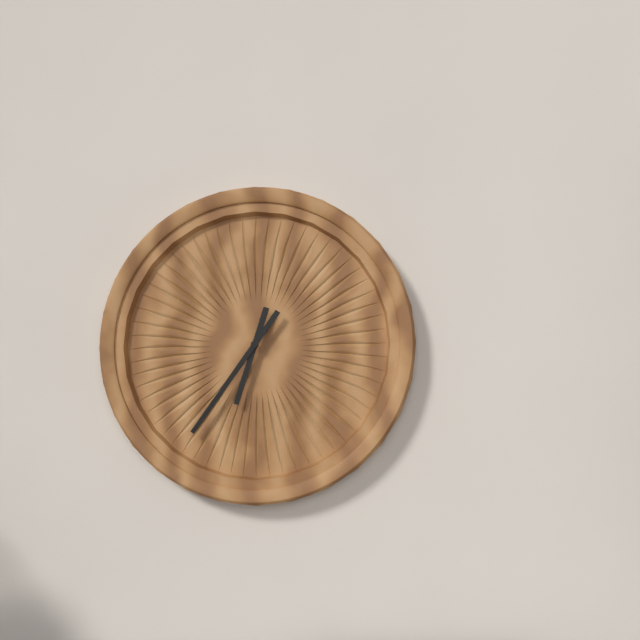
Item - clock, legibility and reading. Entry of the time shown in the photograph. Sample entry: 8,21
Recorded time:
6,36
